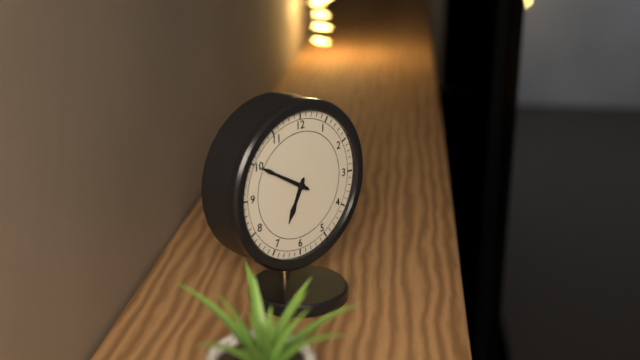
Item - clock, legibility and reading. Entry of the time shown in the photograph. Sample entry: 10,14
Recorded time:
6,50
